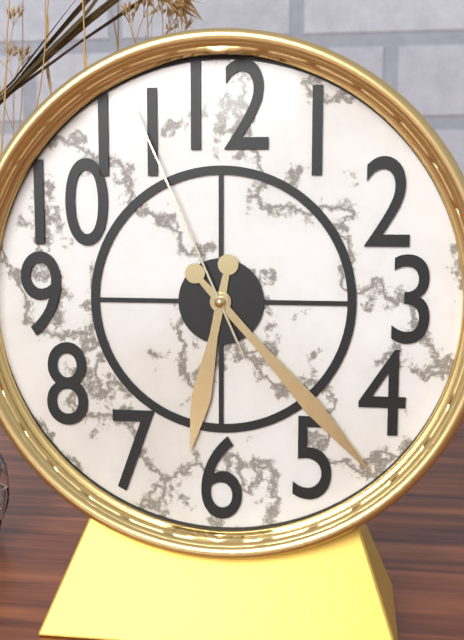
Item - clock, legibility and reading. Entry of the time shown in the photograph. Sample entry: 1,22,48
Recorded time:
6,23,56
